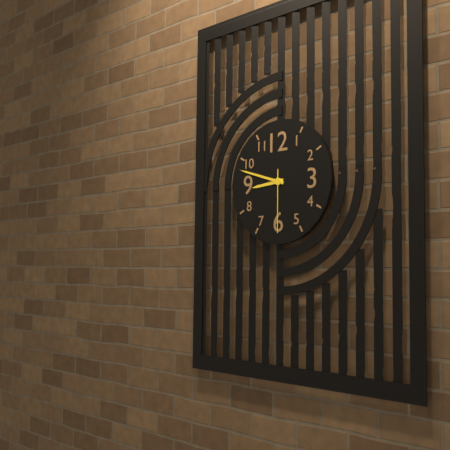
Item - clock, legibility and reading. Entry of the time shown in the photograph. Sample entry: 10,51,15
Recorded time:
8,48,30
